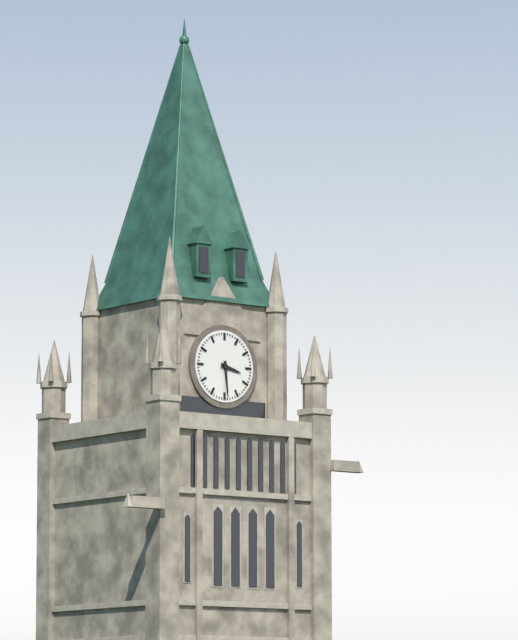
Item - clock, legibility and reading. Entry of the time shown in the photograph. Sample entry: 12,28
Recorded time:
3,29
